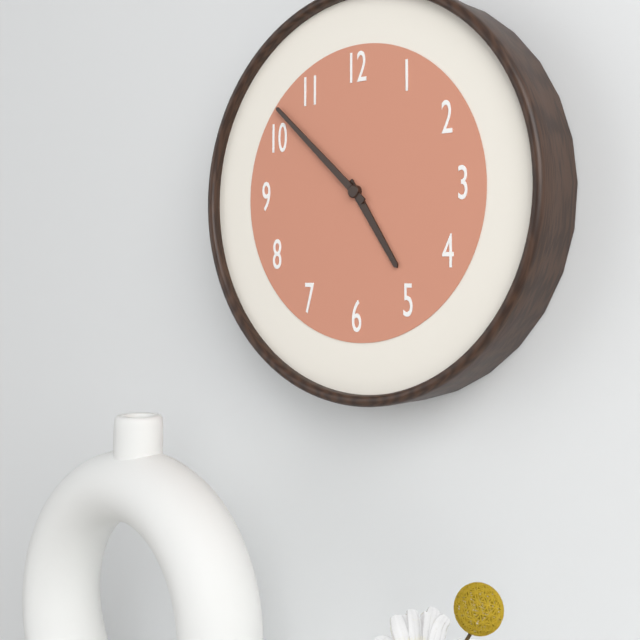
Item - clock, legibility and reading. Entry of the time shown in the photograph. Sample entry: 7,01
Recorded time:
4,52
